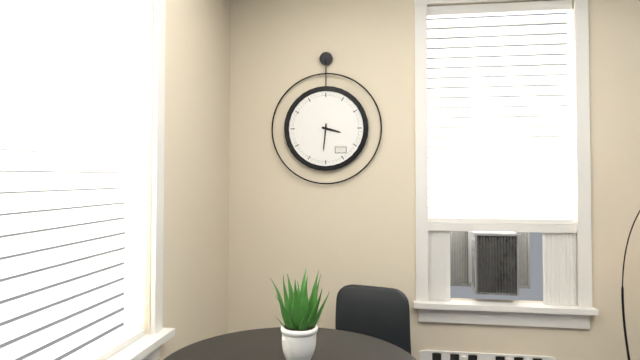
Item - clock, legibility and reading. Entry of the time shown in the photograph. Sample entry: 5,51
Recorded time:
3,31
